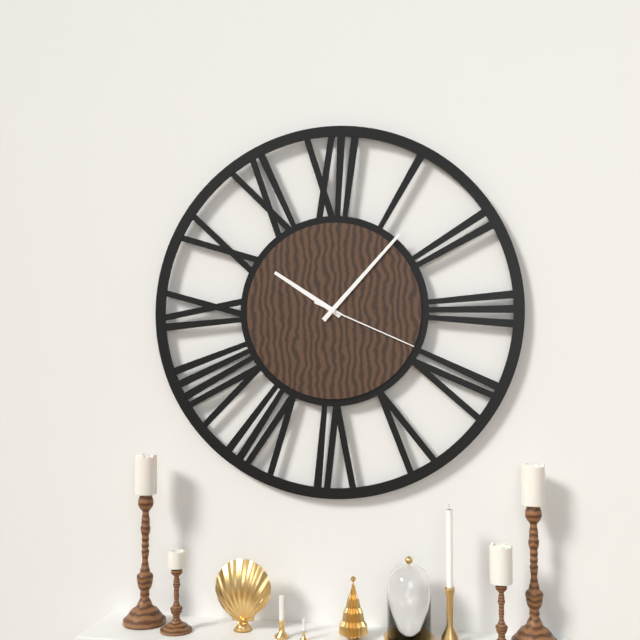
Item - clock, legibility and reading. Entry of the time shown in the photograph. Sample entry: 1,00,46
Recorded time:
10,07,19
